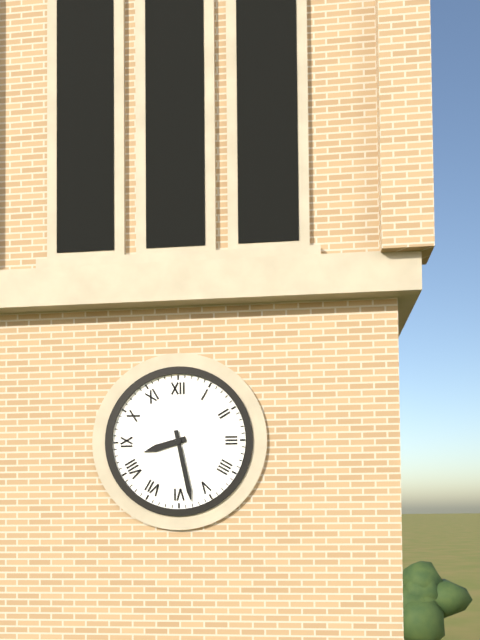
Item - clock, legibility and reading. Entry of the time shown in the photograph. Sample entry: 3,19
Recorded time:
8,28
